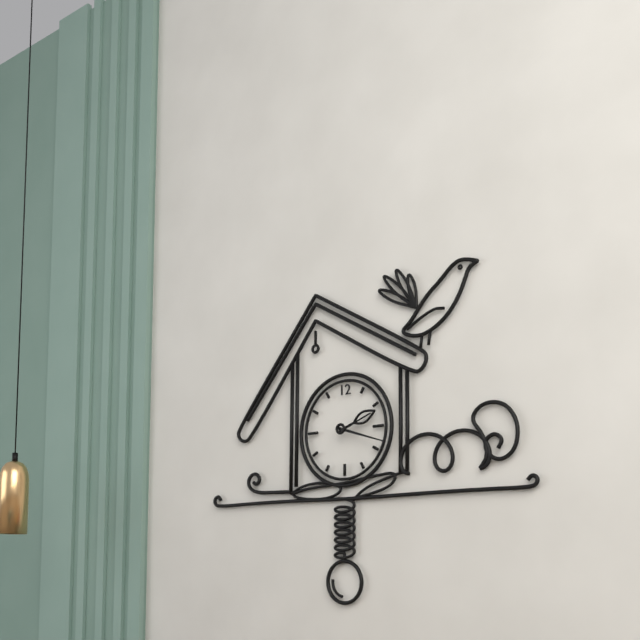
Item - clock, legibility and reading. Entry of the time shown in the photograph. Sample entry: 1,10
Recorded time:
2,18
